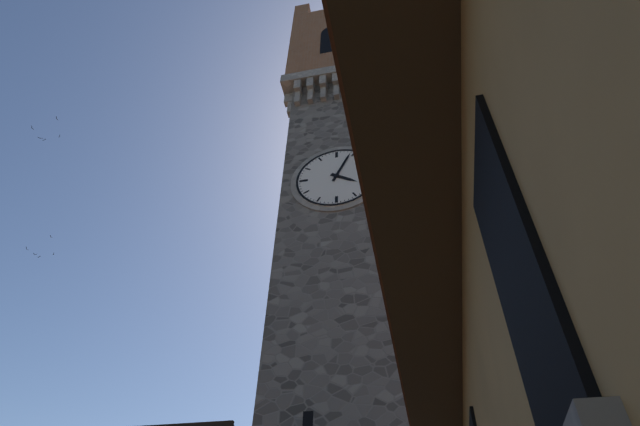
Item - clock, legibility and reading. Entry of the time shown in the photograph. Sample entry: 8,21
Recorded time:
4,04
